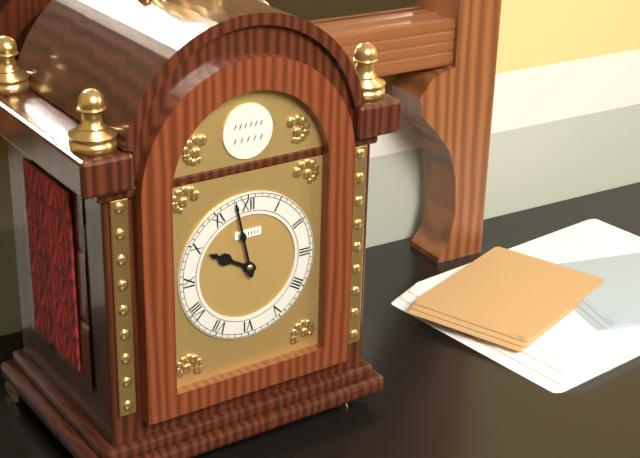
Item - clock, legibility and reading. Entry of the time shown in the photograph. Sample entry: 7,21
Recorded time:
9,58
